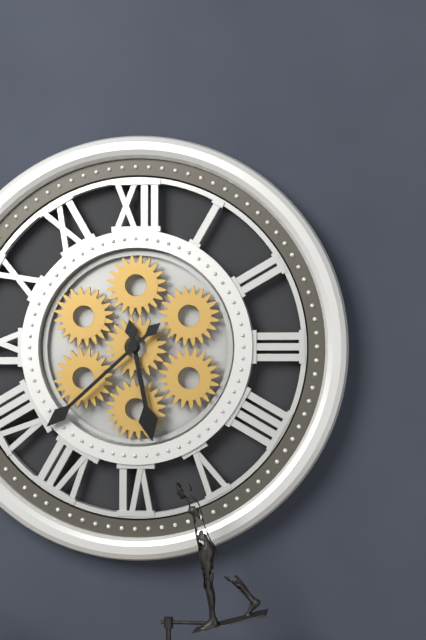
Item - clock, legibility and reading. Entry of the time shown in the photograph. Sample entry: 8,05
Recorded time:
5,38
